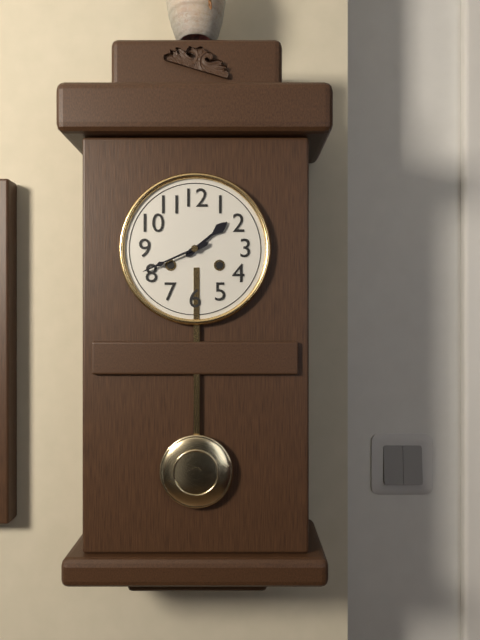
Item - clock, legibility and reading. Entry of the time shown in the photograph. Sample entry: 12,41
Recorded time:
1,41
